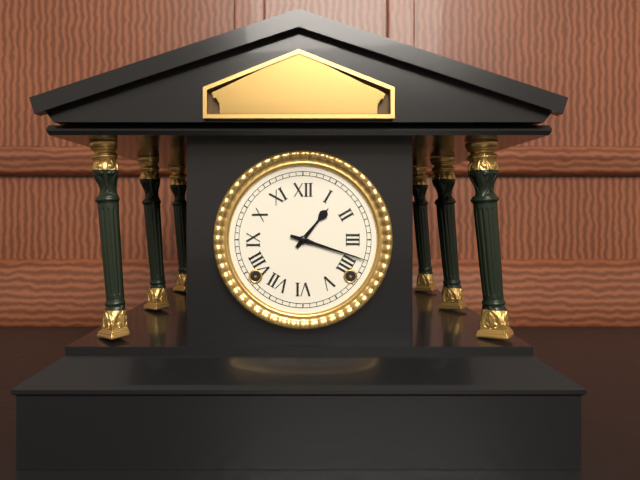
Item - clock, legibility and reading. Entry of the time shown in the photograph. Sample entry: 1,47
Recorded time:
1,18
